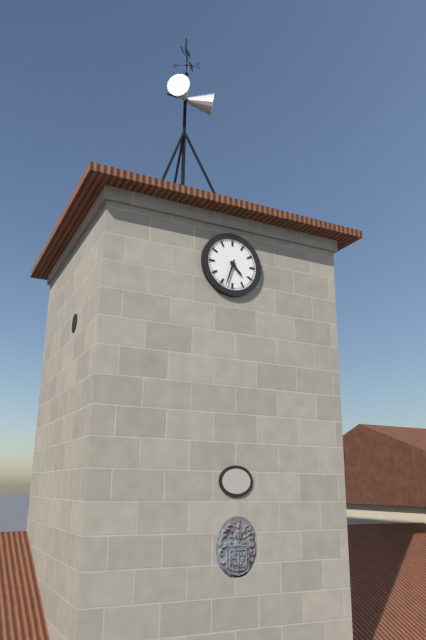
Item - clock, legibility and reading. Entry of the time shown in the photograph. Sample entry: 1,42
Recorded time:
4,33
